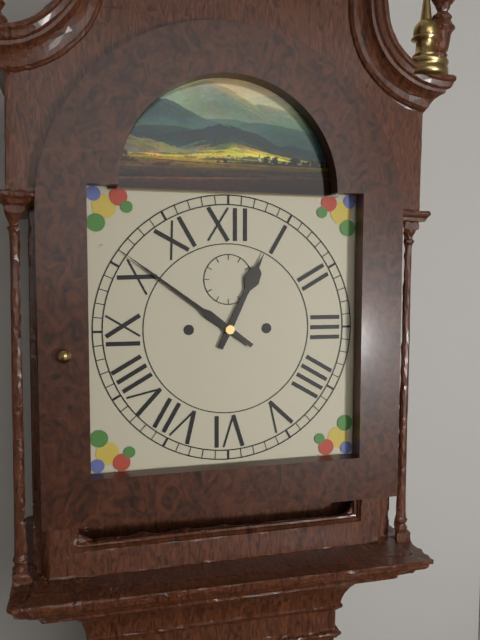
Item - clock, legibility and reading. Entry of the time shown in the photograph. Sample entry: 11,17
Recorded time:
12,51
